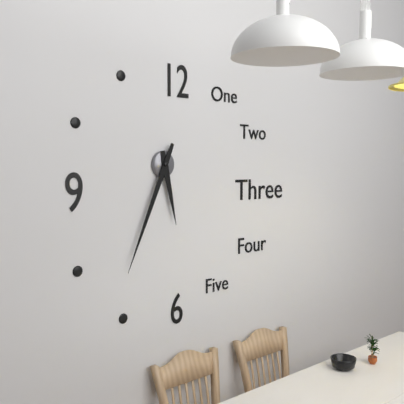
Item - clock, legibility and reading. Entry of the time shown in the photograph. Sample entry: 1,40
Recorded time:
5,34
